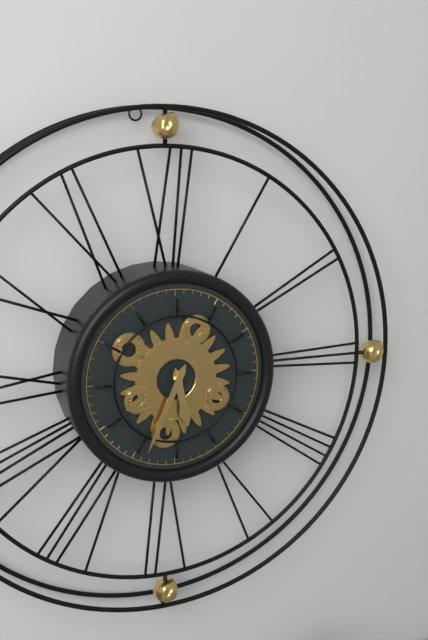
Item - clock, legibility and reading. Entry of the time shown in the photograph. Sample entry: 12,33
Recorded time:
5,34
